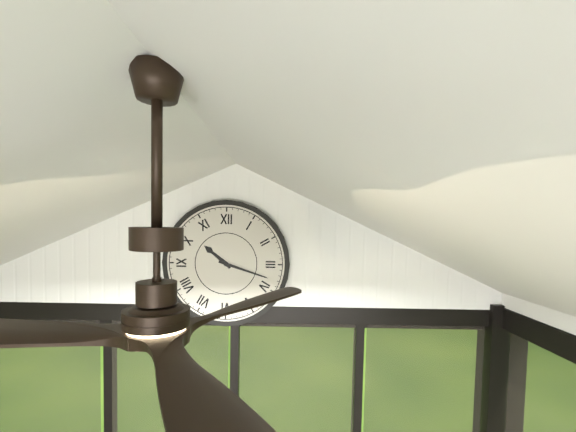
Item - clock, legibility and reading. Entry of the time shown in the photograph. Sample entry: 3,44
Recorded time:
10,18
